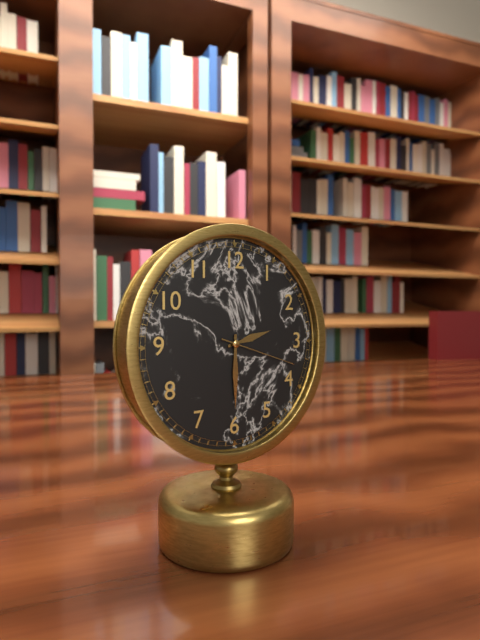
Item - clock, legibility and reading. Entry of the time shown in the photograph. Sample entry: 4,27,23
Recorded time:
2,30,18
